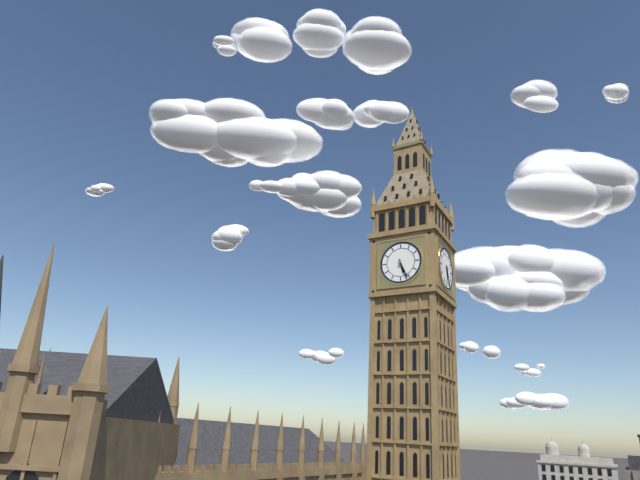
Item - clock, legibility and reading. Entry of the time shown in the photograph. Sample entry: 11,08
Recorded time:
5,26
